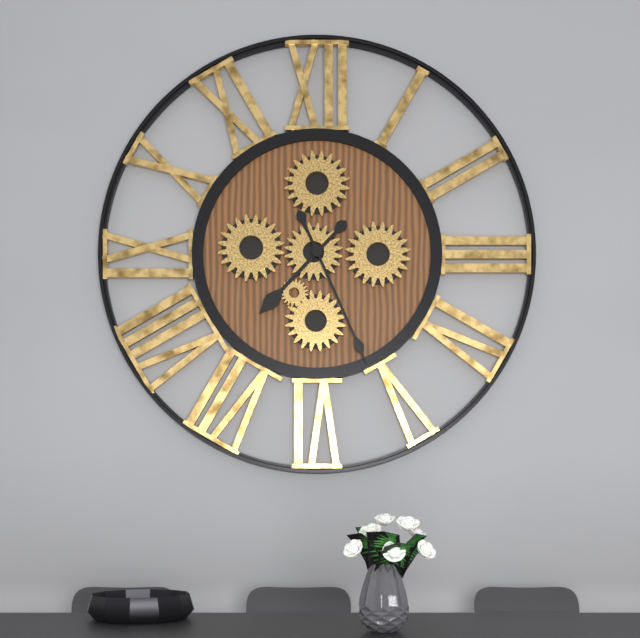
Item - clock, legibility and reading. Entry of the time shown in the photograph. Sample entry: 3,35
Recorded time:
7,26
